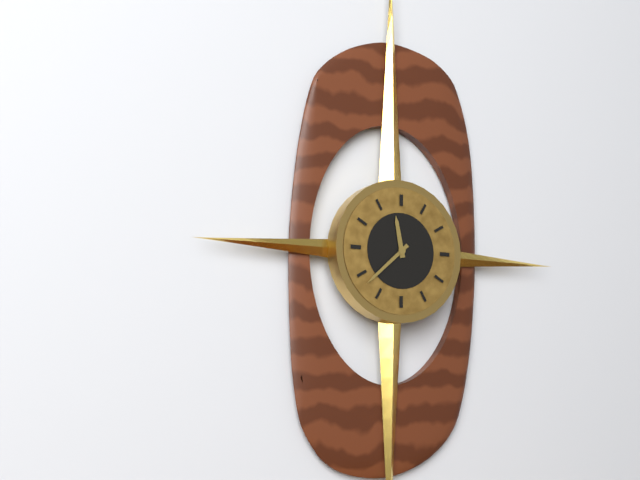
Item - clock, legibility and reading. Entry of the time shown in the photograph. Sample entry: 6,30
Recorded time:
11,38
